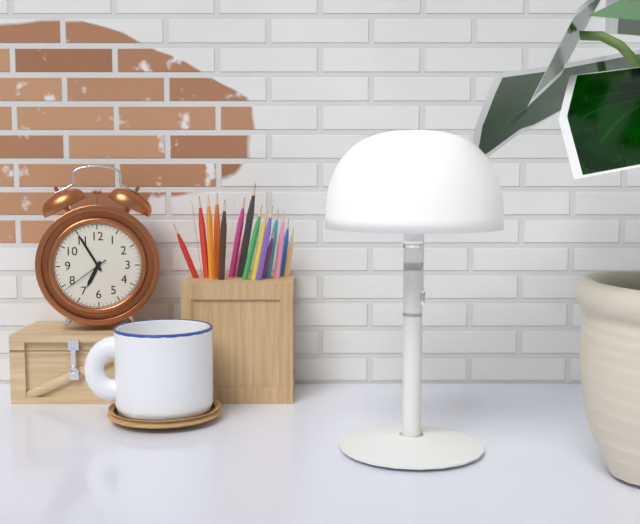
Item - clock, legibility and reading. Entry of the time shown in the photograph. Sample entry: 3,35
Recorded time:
6,55
